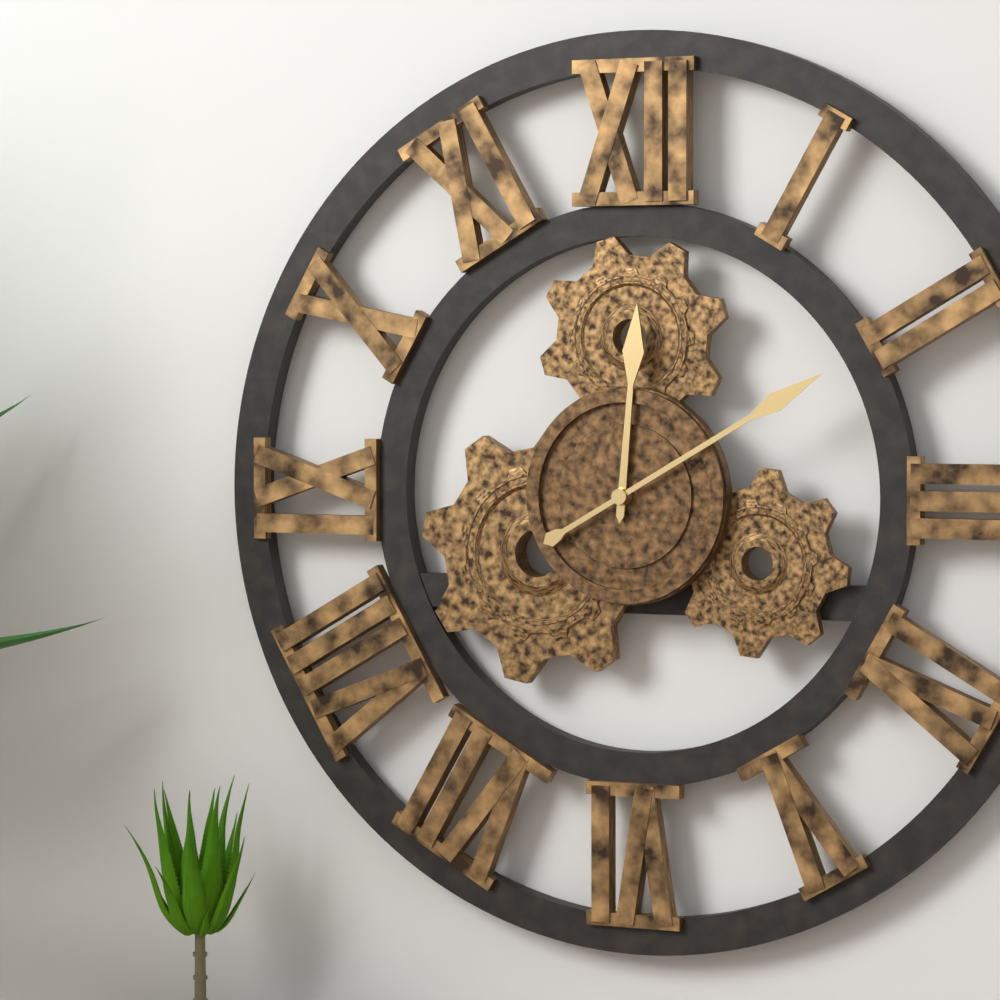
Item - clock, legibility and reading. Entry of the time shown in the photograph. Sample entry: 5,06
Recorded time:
12,10
